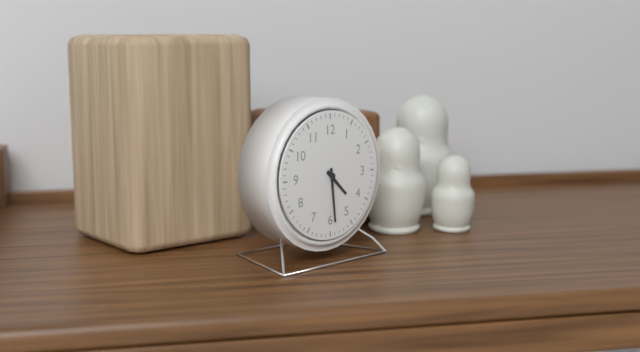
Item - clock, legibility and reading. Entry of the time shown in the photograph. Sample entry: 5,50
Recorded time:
4,29
